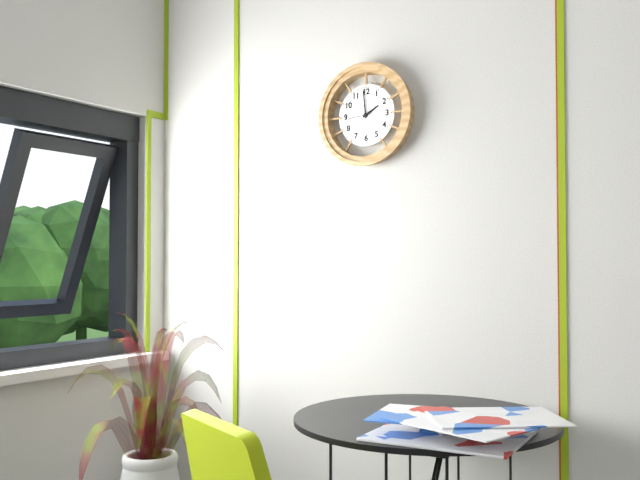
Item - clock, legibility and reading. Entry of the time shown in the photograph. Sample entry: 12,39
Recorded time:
1,59
